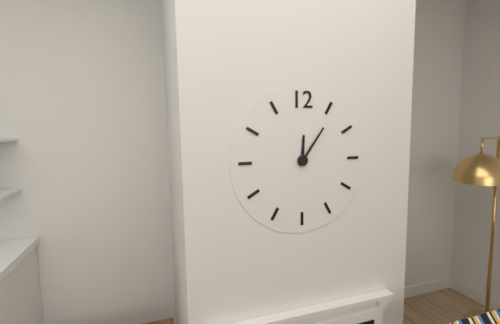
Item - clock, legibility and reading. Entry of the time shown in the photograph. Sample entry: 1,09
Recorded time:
12,06
